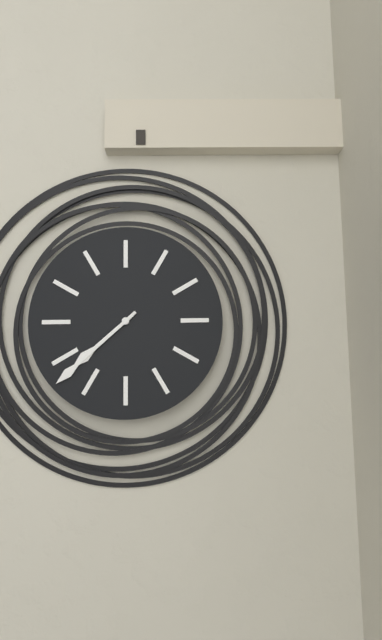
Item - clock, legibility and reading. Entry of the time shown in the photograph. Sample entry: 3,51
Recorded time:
7,38
